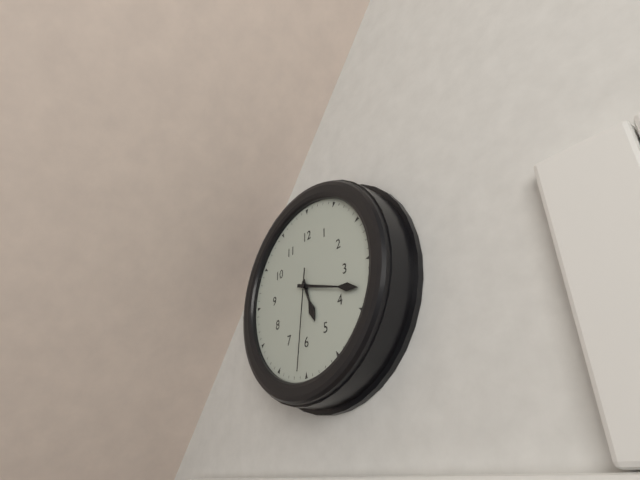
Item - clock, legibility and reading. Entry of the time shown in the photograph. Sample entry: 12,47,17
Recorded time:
5,18,31
